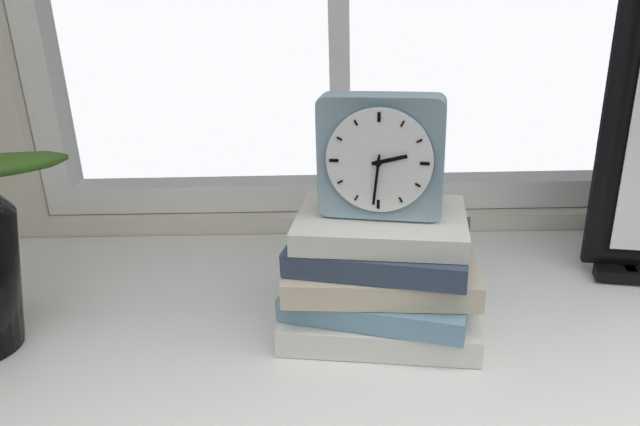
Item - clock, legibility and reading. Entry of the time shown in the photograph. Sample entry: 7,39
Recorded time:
2,31
